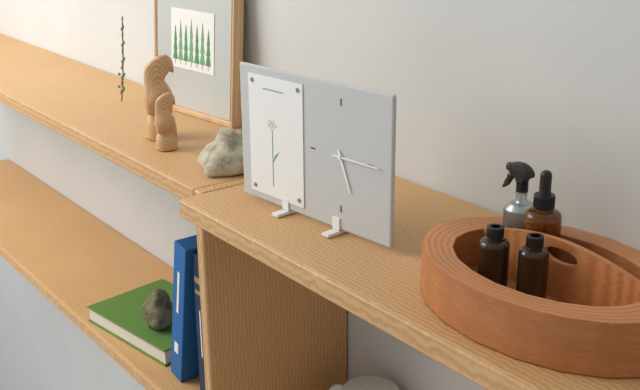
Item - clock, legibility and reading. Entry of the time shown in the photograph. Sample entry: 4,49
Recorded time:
5,15
